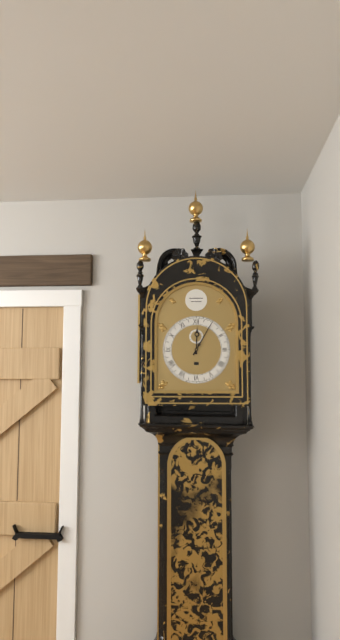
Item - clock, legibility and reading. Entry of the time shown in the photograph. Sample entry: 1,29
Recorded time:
12,05
